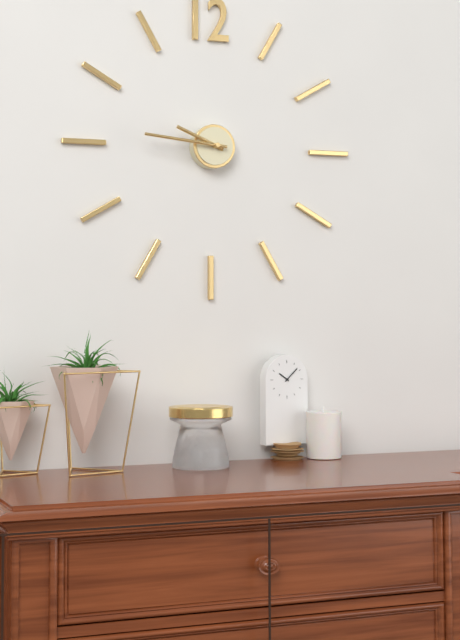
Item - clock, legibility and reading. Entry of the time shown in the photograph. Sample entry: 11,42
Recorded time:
9,46
